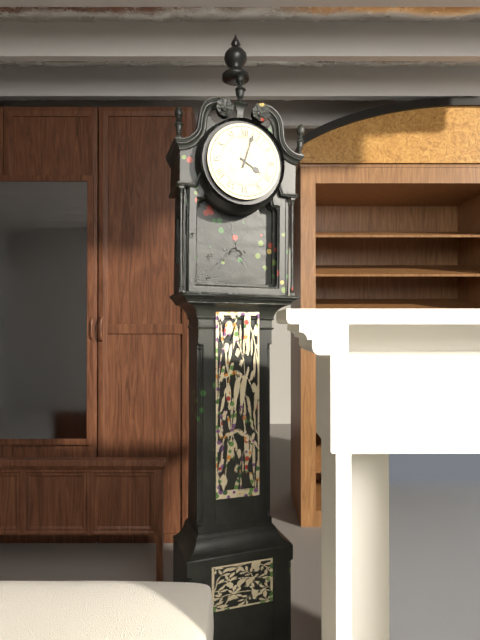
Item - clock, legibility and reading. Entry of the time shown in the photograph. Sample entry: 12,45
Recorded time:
4,03
